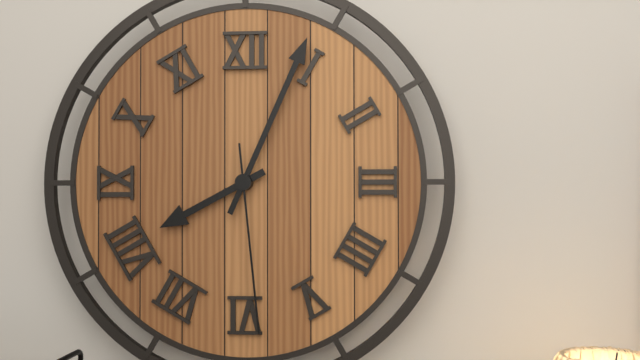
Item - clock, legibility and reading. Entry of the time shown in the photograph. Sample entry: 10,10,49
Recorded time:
8,04,29
